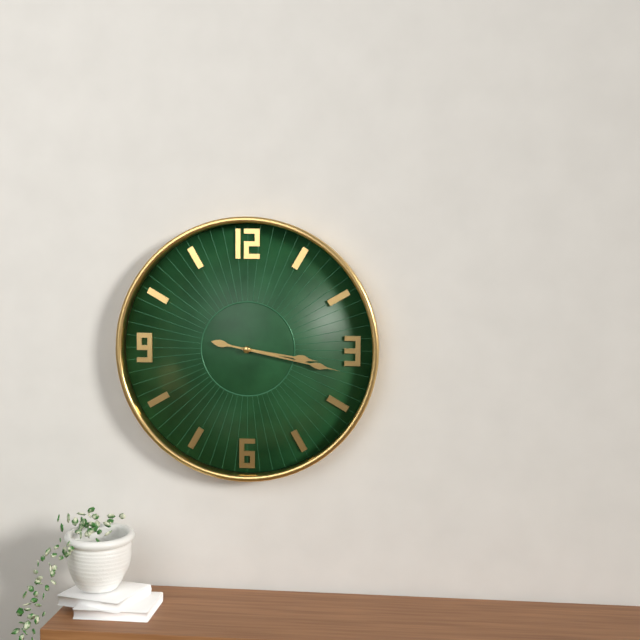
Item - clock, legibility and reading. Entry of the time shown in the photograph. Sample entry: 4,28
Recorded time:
3,17
